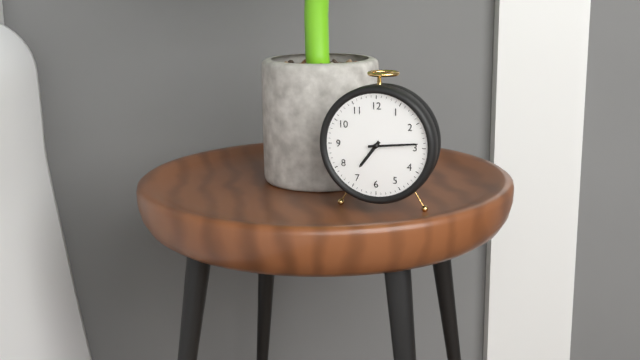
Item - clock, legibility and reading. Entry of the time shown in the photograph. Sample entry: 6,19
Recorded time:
7,14
